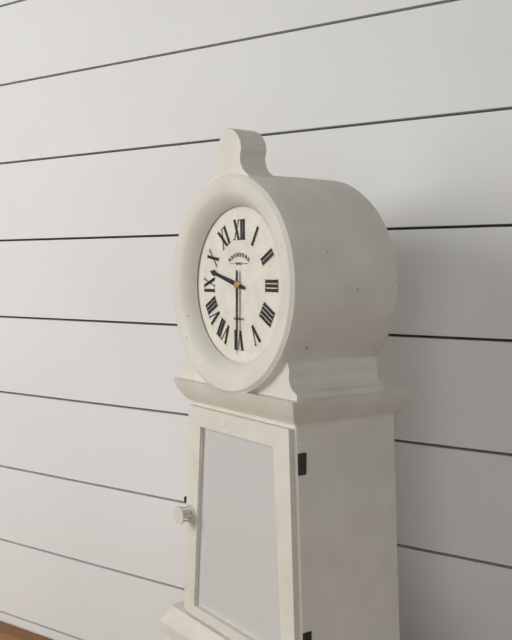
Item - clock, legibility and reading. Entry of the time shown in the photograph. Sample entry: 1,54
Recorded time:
9,30
